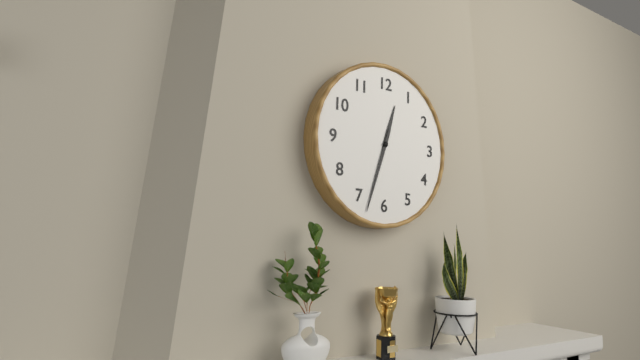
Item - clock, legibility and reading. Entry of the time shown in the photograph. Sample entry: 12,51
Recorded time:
12,33
